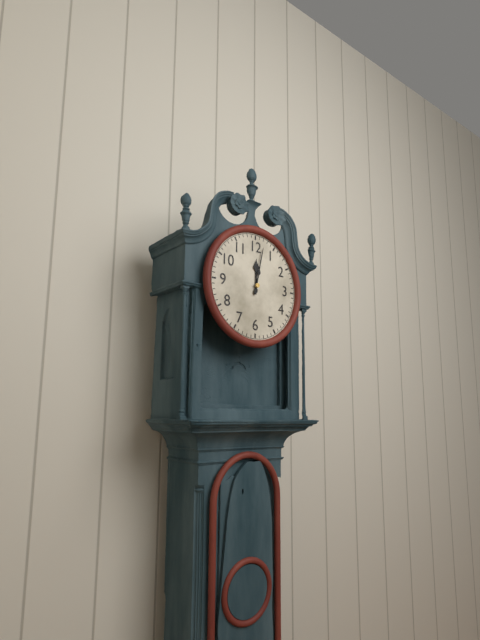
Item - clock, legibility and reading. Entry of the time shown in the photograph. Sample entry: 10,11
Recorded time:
12,02
